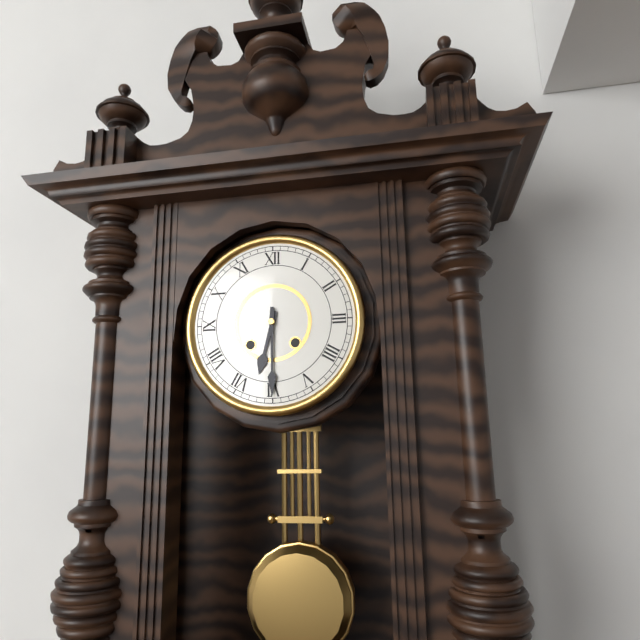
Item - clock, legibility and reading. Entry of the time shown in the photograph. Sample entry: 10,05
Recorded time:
6,30
